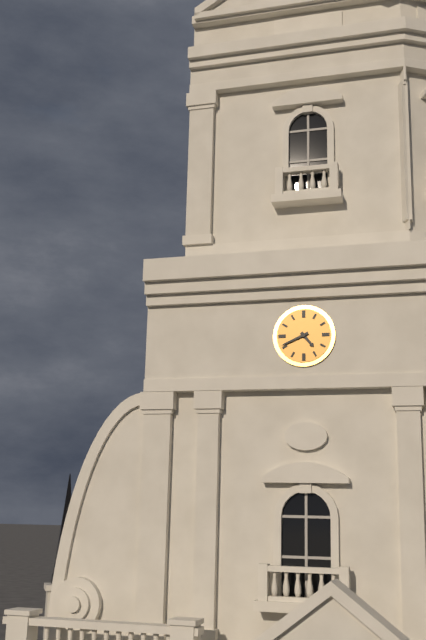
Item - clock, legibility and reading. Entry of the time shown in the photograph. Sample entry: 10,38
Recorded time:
4,41
